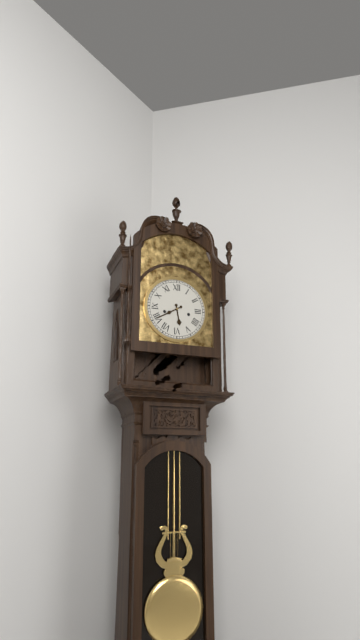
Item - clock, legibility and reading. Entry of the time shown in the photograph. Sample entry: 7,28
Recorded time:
5,40
